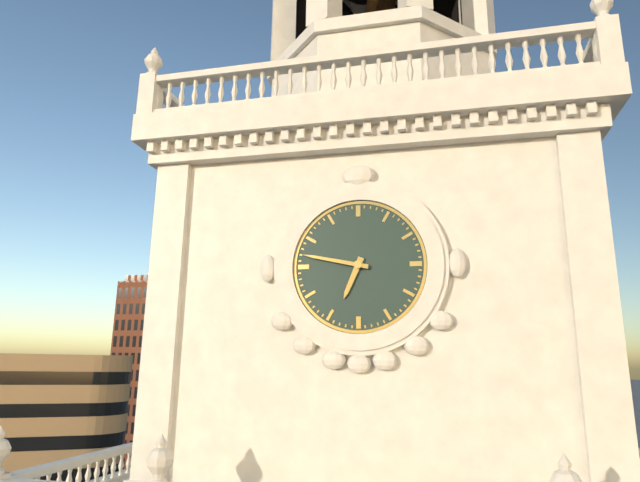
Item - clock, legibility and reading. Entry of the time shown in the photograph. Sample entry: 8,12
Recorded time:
6,47
